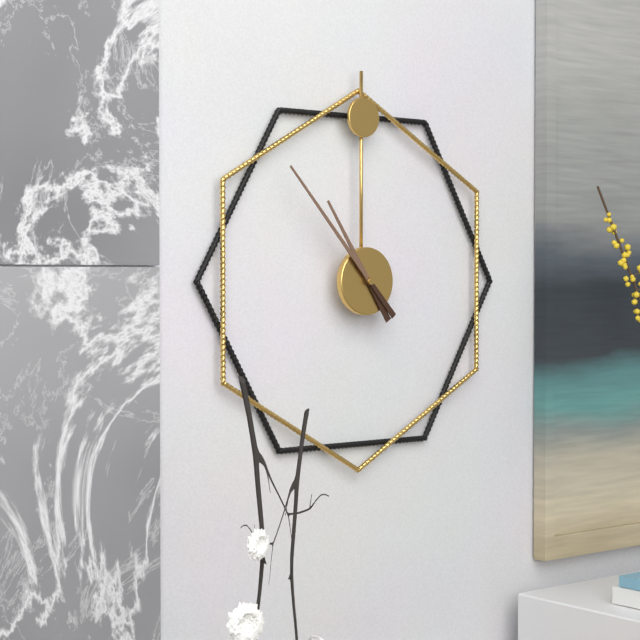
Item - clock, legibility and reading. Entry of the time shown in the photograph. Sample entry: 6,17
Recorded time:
10,53
